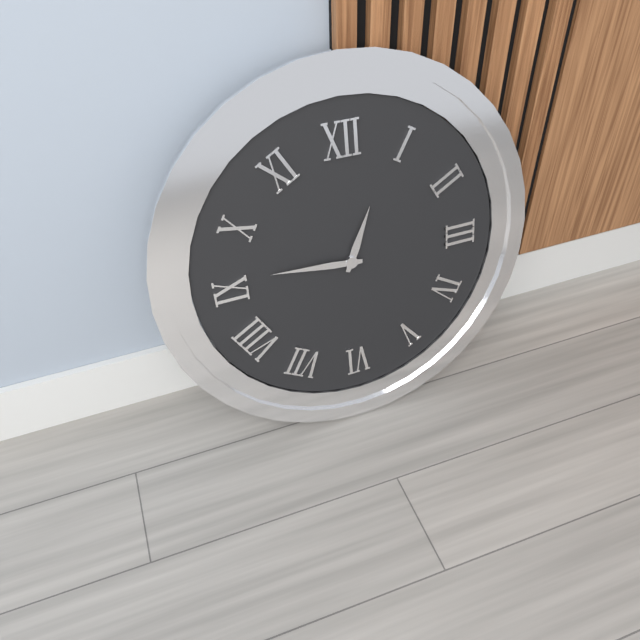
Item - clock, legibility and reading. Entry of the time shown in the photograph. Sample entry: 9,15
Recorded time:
12,46
